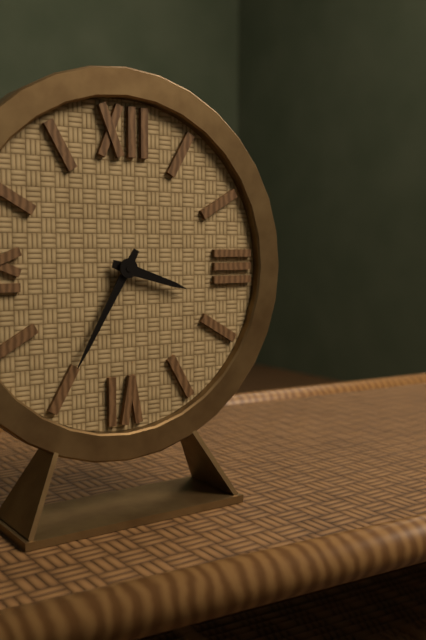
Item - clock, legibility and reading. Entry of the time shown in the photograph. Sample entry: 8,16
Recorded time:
3,35
